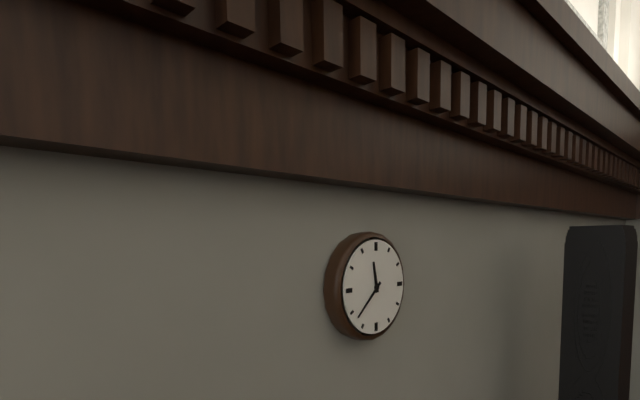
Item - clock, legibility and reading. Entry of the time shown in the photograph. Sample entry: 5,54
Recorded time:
11,38
